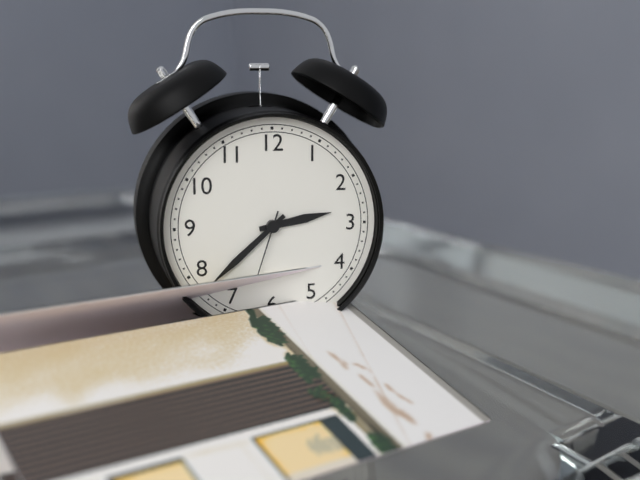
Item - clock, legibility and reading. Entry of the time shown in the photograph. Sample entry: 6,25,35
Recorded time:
2,38,33
